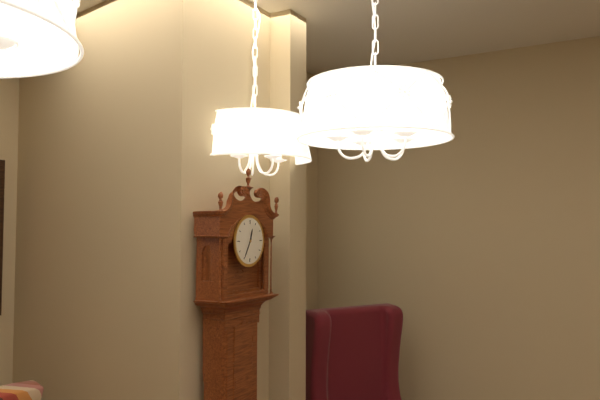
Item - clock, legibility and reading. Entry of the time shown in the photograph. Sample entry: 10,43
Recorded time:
12,35
